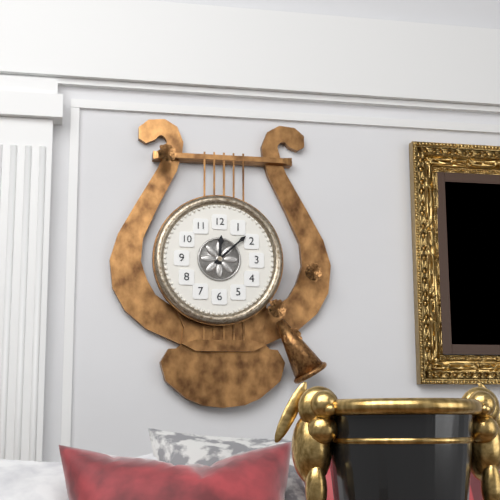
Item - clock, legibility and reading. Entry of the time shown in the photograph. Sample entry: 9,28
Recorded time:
12,08
